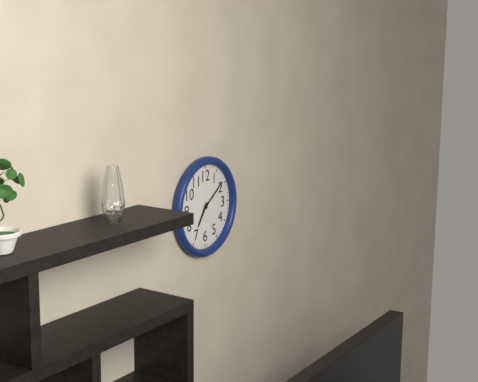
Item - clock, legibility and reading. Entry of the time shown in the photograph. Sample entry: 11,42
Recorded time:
7,09
